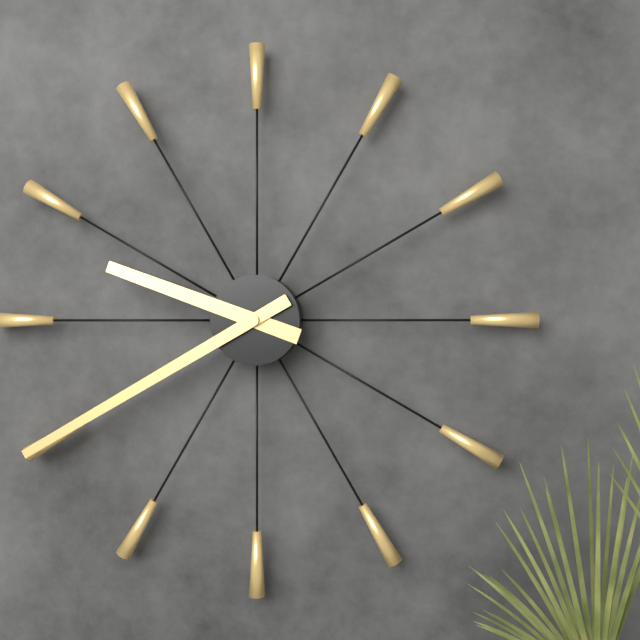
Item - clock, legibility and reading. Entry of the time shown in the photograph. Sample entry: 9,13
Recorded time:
9,40
